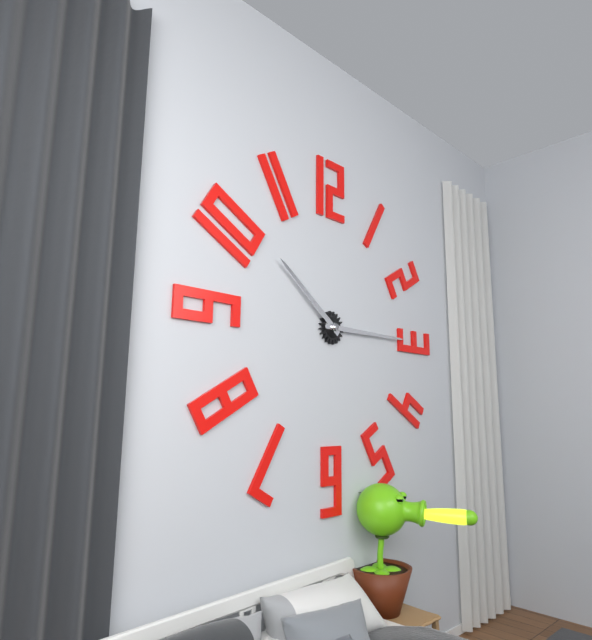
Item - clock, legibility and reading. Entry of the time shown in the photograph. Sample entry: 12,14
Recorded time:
10,15
